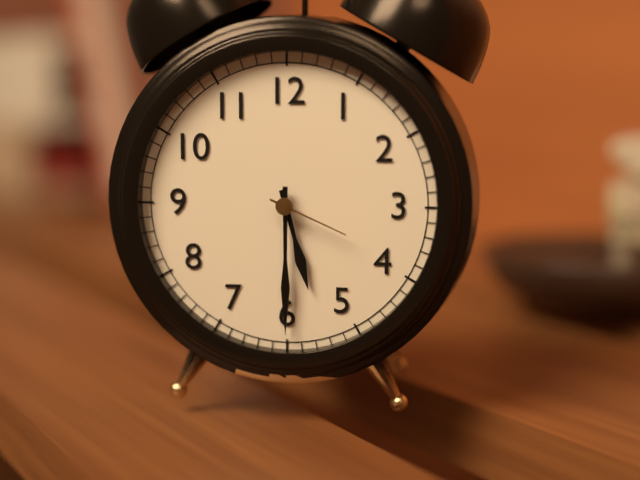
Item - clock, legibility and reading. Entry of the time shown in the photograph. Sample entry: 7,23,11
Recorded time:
5,30,19
